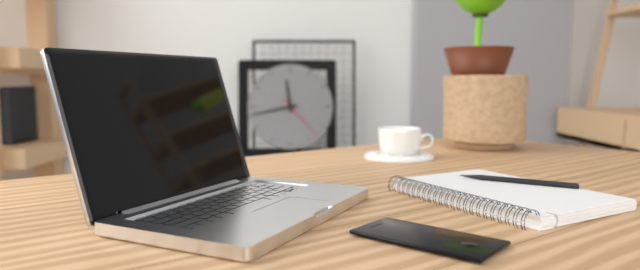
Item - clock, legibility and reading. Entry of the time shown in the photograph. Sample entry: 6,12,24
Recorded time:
11,43,23
